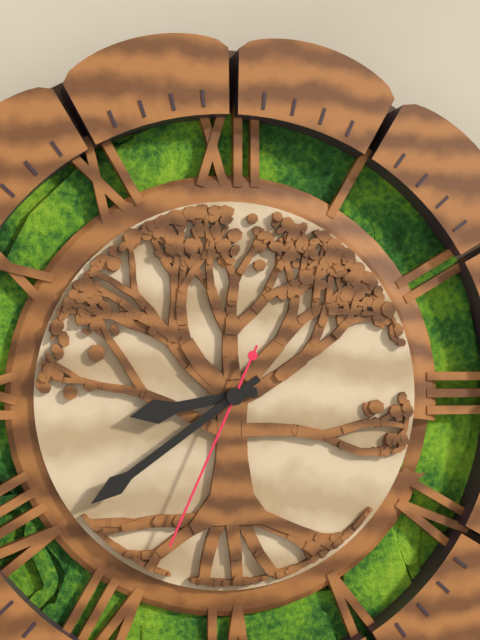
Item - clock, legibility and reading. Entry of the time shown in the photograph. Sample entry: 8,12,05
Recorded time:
8,39,34
